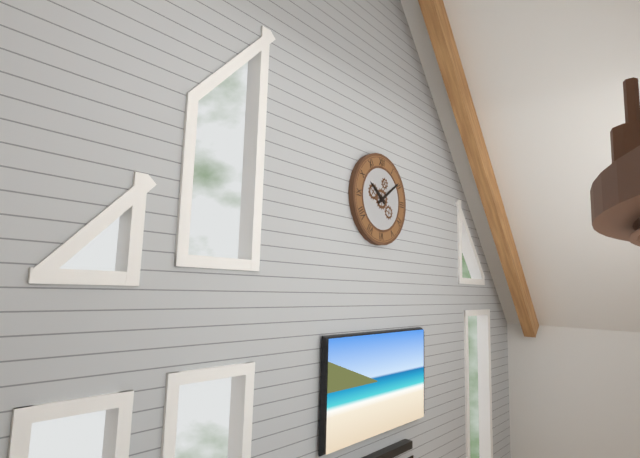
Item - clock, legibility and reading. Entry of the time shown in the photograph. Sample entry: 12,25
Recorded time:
10,09
